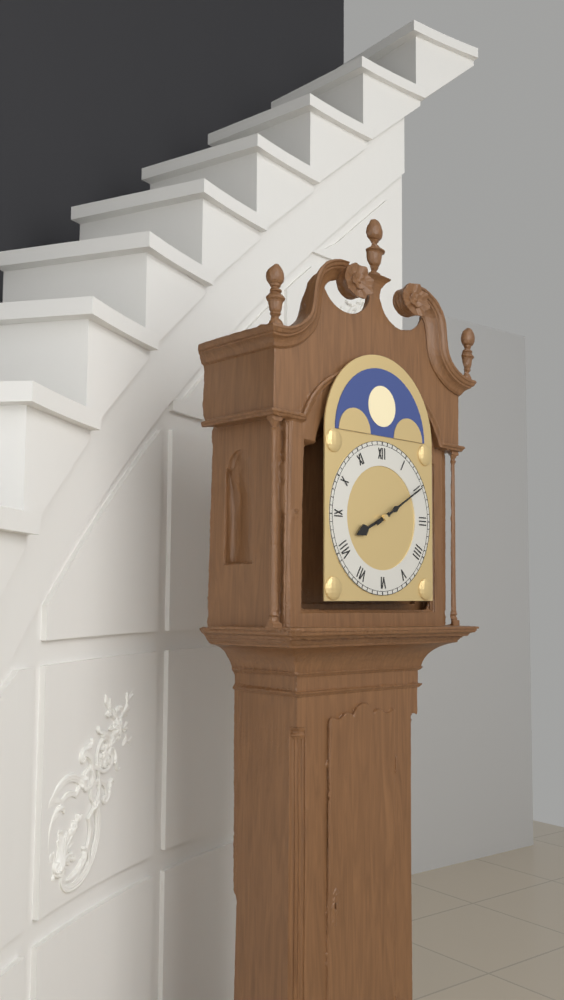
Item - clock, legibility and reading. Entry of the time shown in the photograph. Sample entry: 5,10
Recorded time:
8,10
